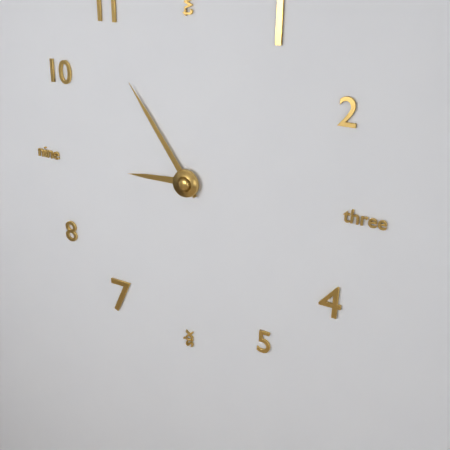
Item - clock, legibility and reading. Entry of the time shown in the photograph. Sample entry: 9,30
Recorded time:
8,54
